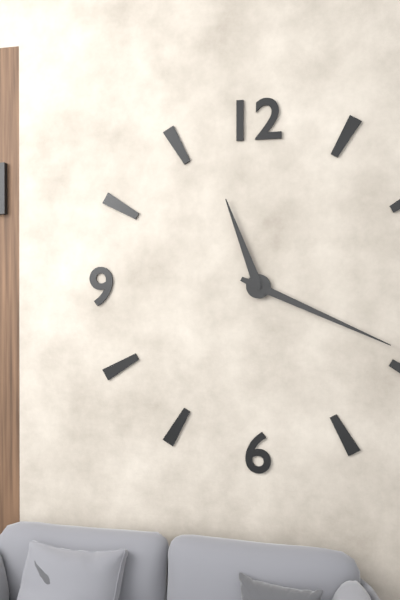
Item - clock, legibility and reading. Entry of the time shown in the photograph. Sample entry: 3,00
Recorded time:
11,19
